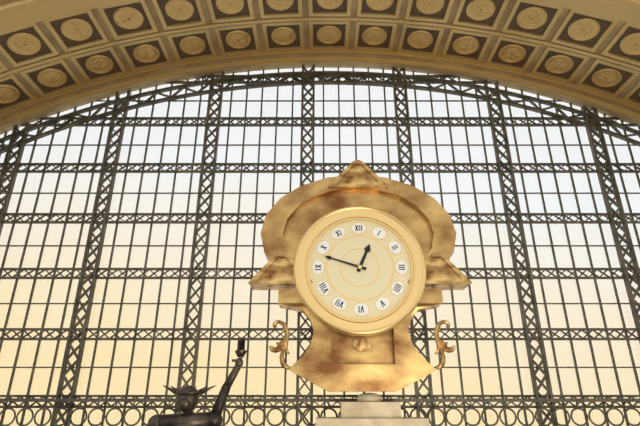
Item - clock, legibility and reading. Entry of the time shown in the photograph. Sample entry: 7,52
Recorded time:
12,48
